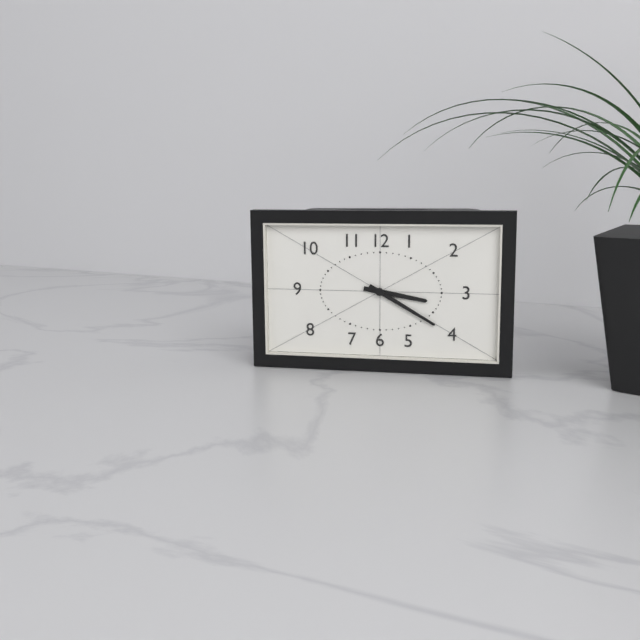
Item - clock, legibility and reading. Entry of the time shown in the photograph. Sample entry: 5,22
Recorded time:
3,20
